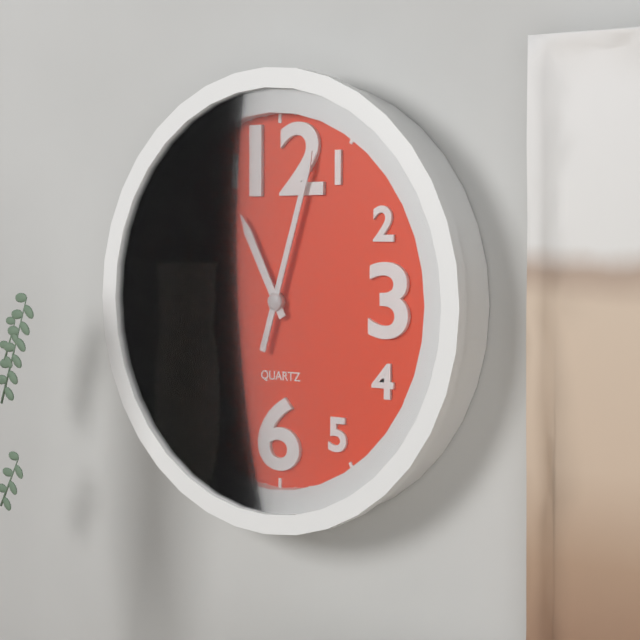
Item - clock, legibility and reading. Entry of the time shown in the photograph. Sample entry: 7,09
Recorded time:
11,03
